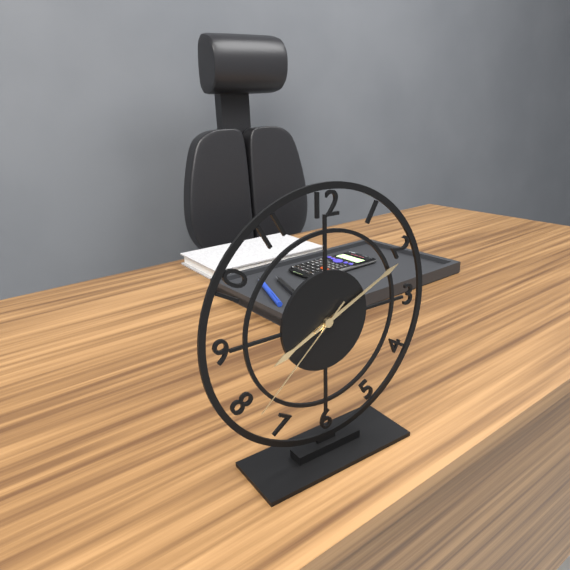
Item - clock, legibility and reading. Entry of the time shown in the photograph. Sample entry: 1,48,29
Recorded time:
8,11,38
